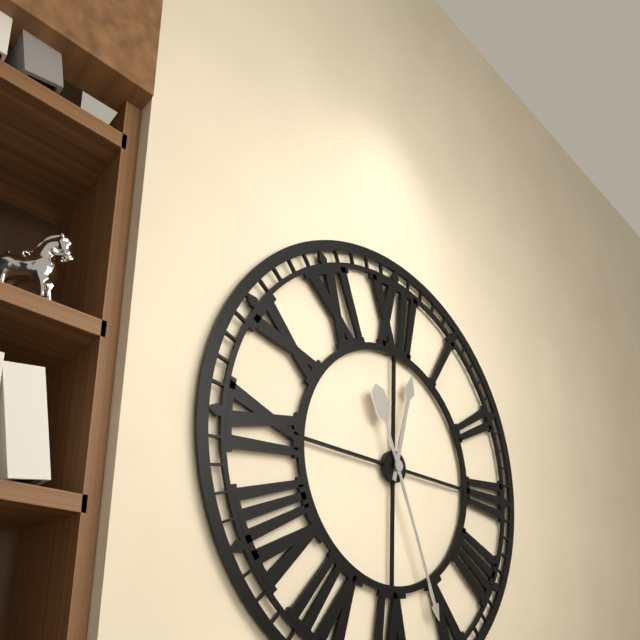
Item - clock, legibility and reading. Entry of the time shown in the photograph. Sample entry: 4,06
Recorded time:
12,26
